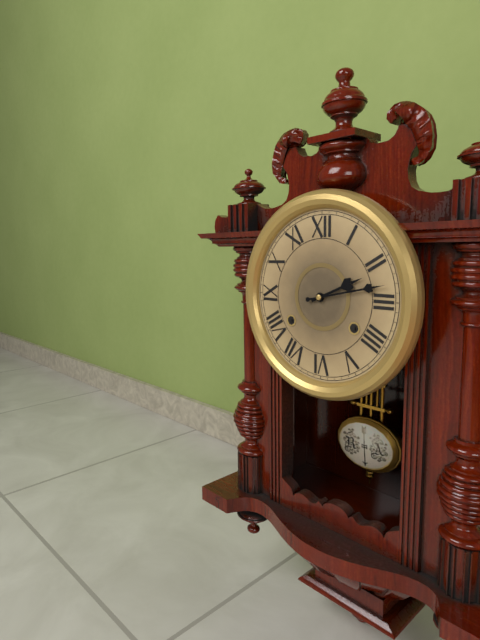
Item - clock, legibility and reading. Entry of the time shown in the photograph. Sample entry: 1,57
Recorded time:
2,13
